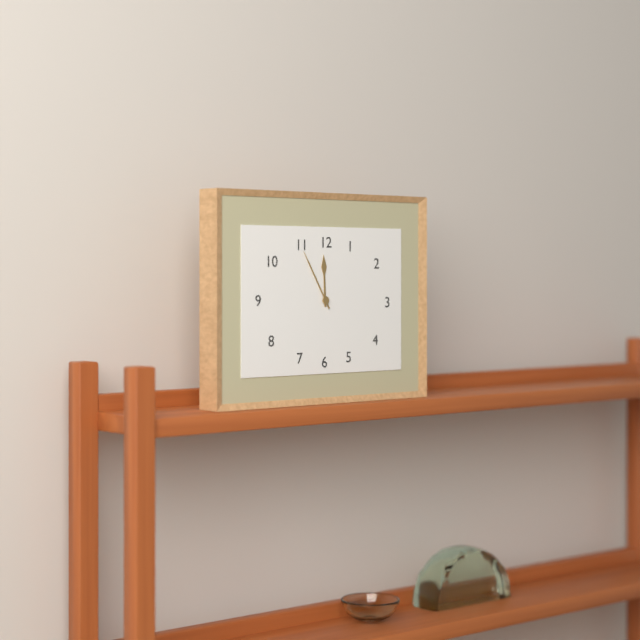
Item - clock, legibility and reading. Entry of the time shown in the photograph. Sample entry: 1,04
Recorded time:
11,55
